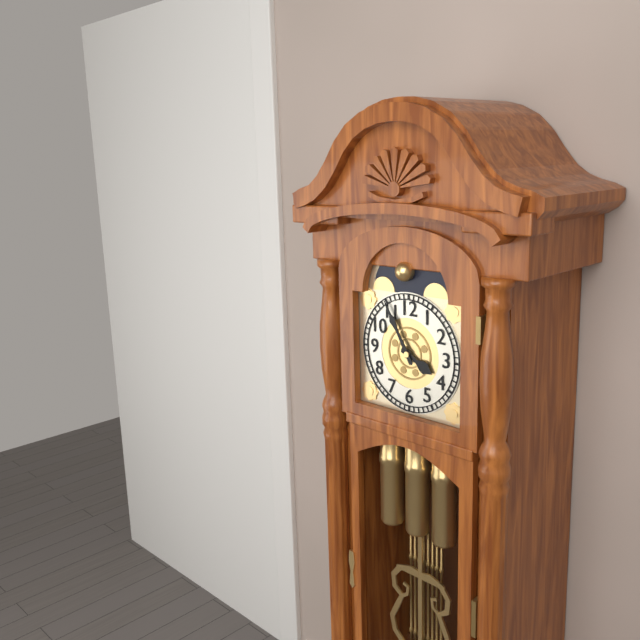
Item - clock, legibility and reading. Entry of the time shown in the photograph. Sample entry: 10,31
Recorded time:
3,55
